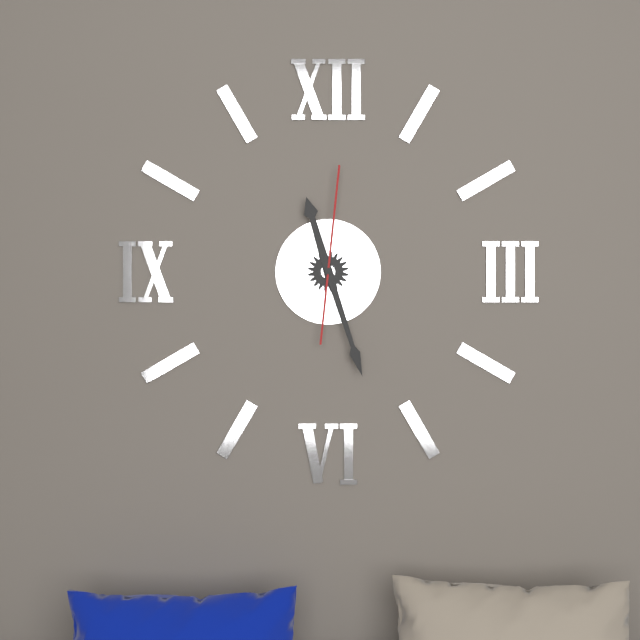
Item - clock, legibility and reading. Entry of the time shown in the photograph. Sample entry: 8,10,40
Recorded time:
11,27,01
